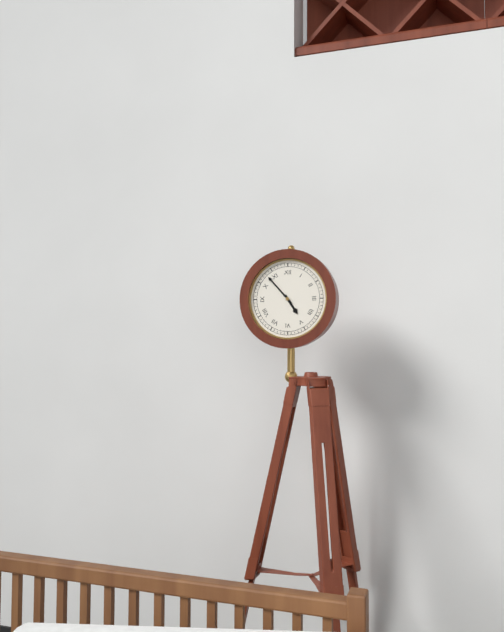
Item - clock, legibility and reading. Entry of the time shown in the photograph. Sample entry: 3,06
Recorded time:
4,53
